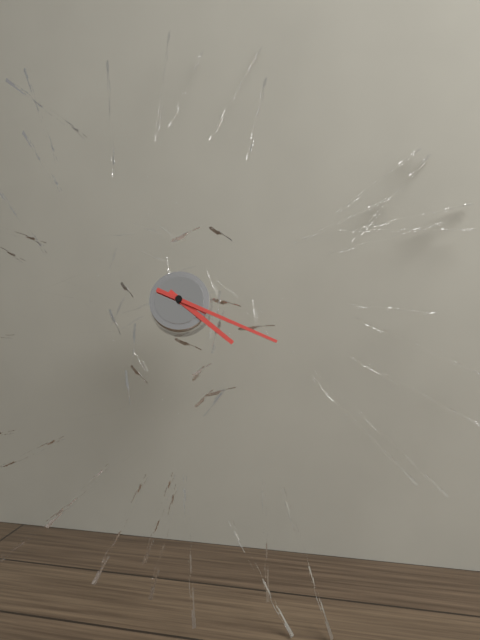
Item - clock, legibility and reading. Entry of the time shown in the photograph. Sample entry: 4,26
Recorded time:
4,19
